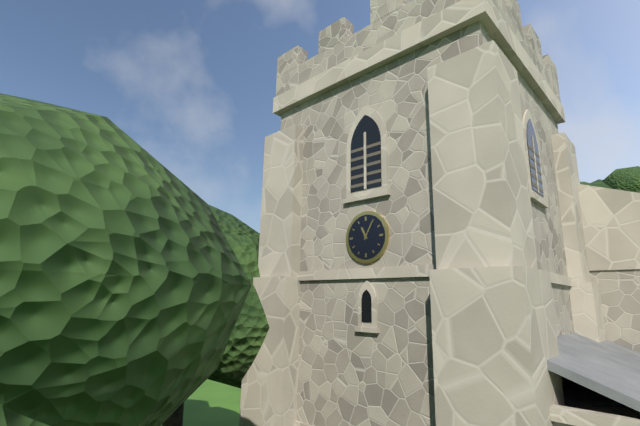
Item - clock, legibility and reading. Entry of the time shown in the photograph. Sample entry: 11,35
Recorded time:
11,05
